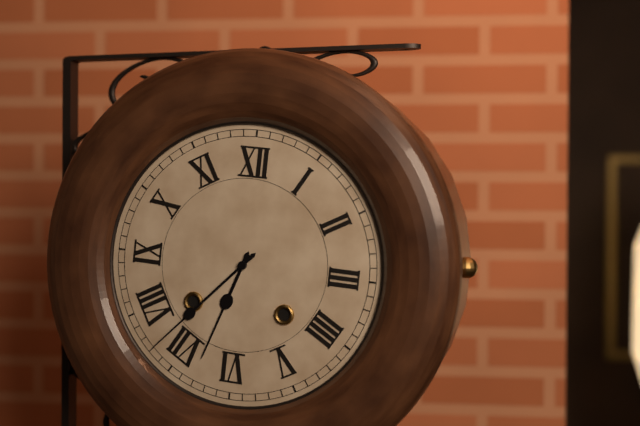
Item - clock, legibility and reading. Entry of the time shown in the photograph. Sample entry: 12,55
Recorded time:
6,37
